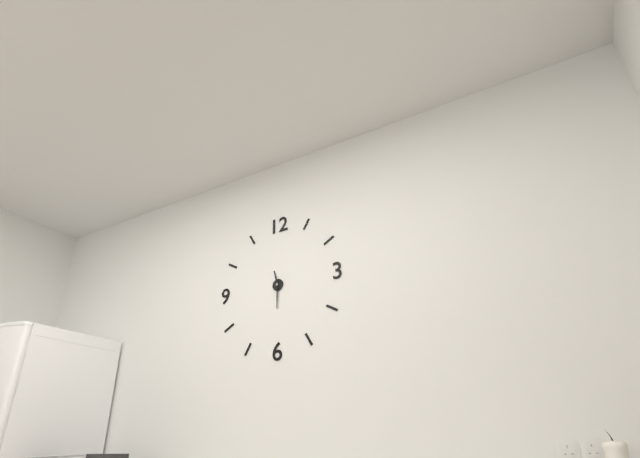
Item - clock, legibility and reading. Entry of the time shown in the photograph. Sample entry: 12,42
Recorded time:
11,30
